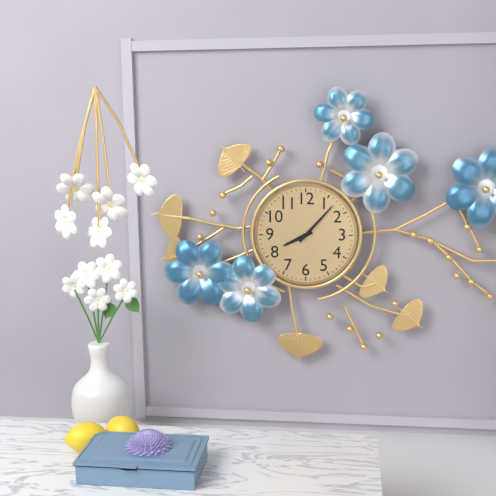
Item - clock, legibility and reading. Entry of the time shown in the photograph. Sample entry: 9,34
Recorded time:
8,07
